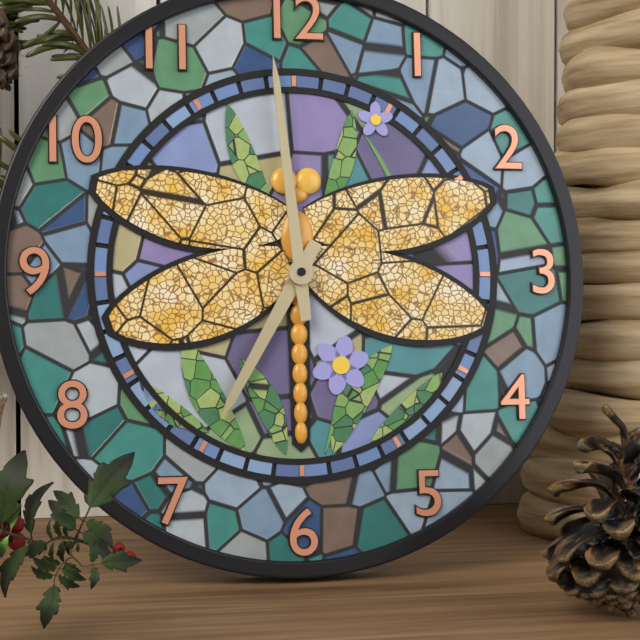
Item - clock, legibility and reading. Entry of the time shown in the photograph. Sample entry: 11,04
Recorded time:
6,59
